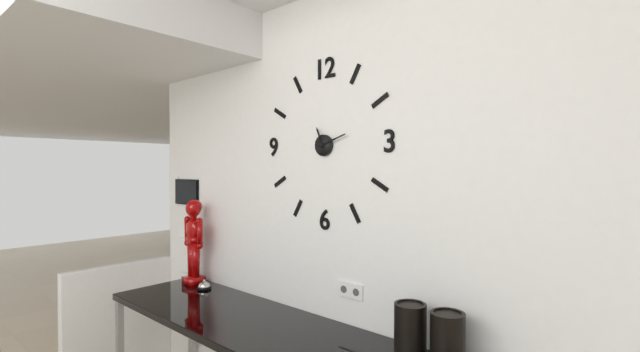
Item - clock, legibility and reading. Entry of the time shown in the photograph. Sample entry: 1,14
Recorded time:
11,12
